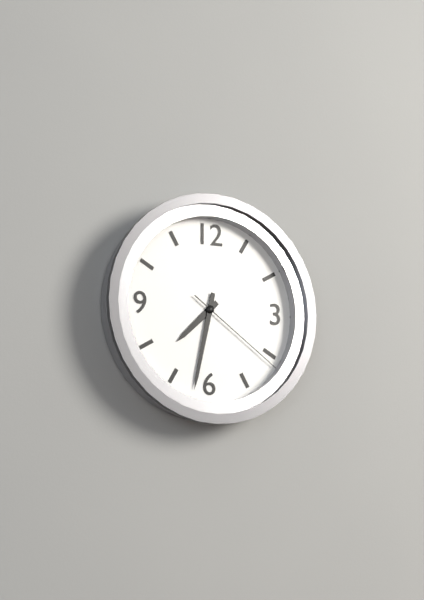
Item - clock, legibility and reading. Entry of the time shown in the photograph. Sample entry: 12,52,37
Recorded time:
7,32,21
